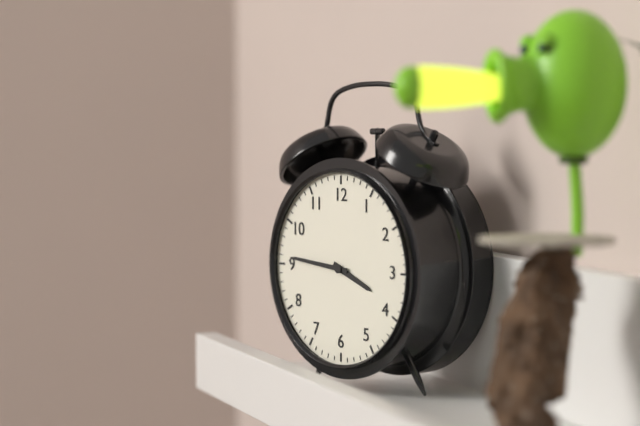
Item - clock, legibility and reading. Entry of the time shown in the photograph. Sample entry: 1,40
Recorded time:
3,46
